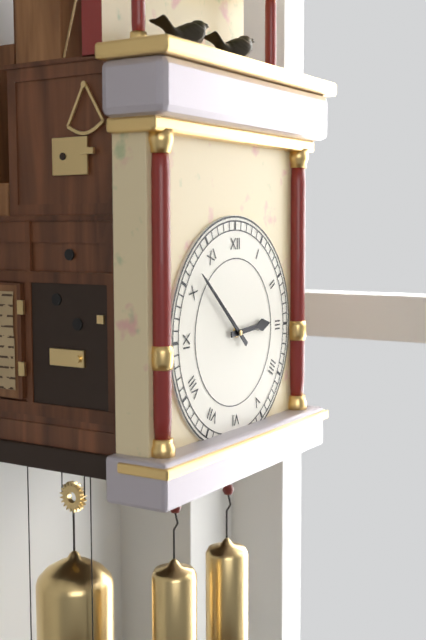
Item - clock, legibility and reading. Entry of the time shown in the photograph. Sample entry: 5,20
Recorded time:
2,52
